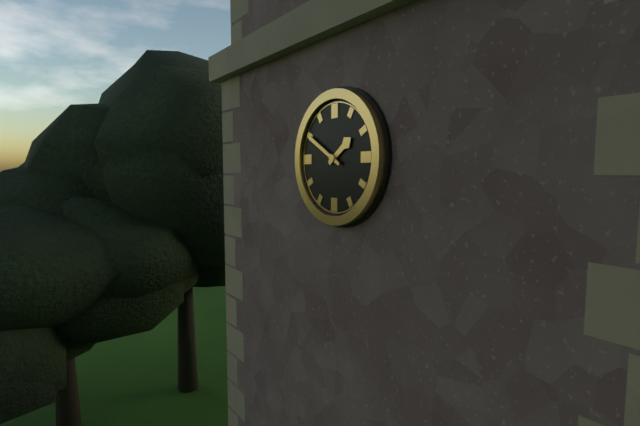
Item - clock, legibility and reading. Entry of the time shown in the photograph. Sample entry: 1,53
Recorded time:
1,50
